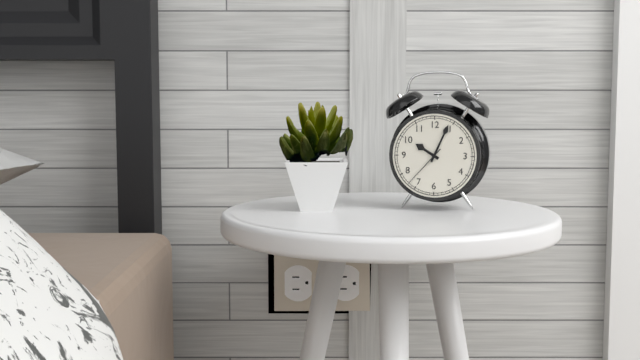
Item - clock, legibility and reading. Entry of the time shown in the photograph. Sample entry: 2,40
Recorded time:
10,04
